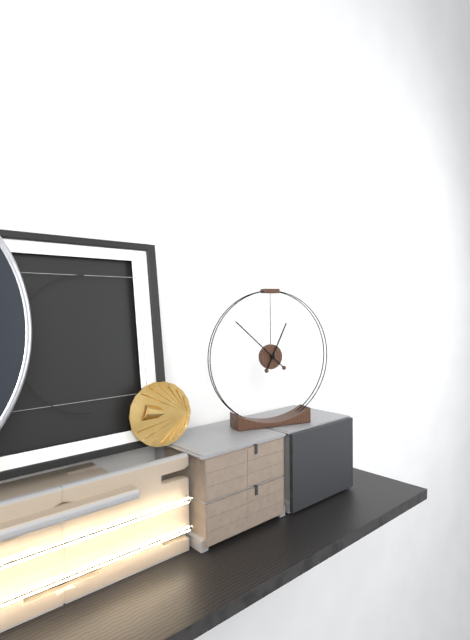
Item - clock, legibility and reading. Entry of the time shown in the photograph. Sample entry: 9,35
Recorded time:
12,52
